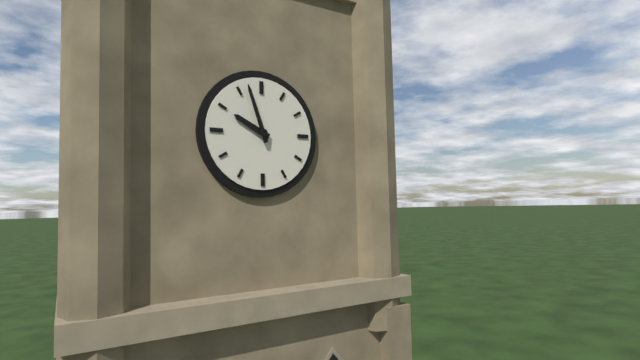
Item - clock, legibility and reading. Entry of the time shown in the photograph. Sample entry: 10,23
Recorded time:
9,57
